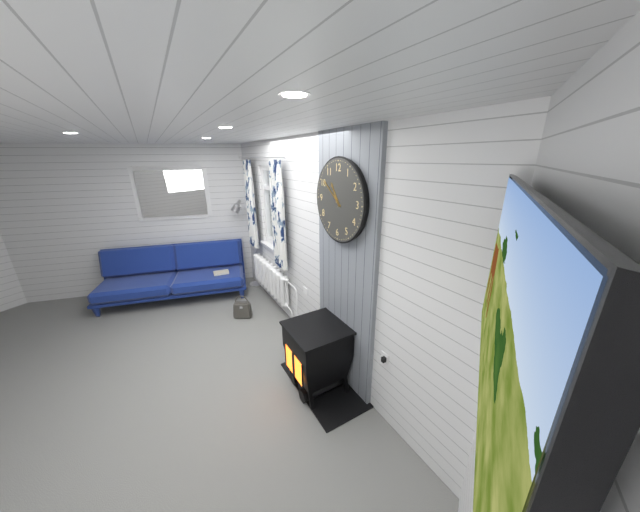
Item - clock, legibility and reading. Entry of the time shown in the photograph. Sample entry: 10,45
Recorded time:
10,51
